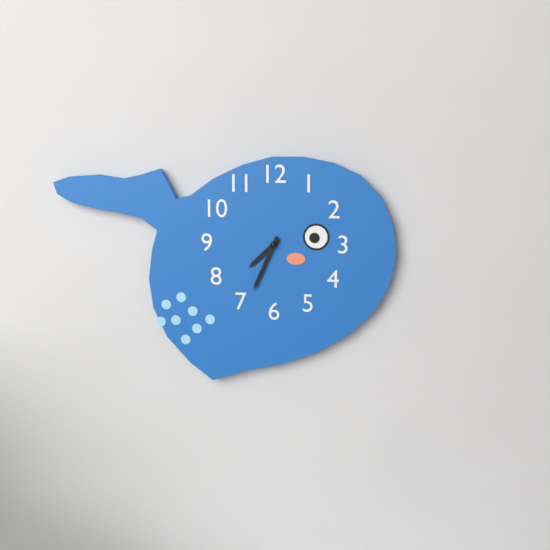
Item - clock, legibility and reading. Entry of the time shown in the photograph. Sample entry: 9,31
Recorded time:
7,34
